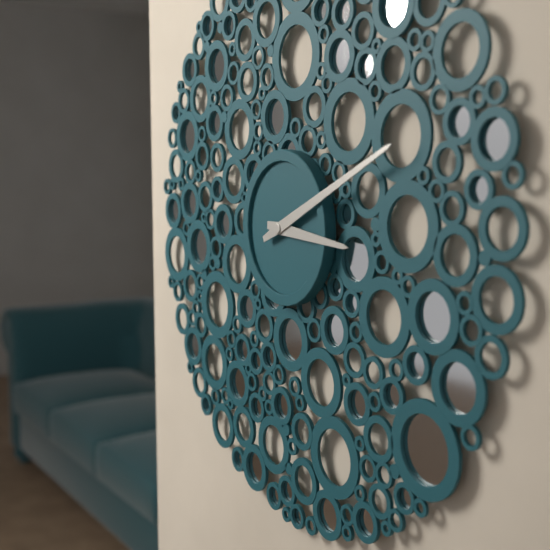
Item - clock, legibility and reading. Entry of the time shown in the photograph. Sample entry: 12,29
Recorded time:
3,11
